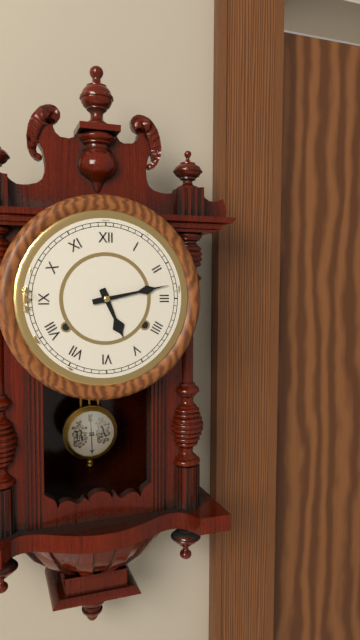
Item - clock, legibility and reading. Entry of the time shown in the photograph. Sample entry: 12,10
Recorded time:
5,13
